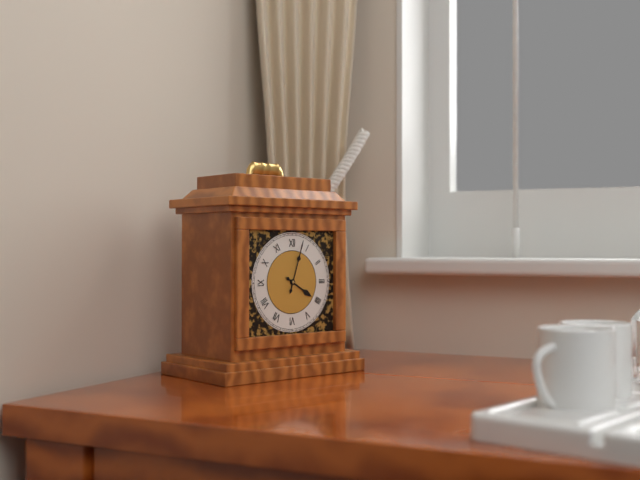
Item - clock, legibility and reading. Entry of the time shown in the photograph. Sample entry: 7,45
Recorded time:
4,03
